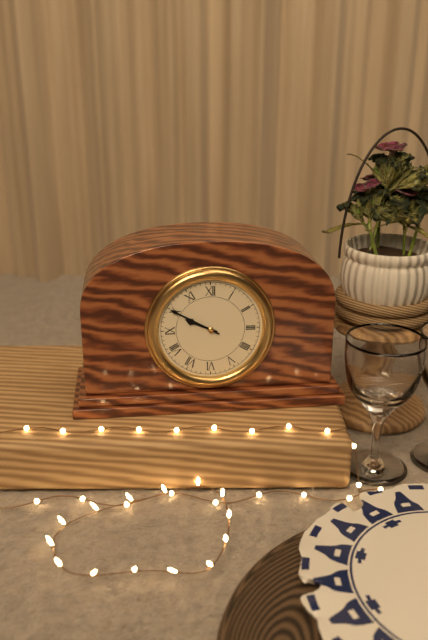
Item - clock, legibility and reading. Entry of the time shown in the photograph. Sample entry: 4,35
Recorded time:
9,50
